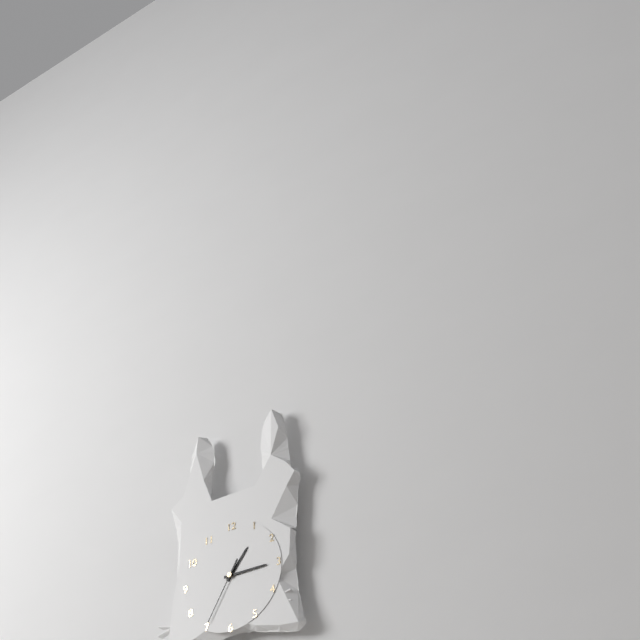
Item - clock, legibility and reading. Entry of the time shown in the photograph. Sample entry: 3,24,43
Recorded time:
1,15,35
